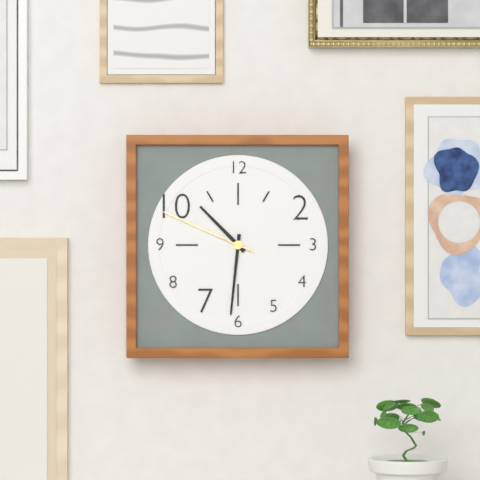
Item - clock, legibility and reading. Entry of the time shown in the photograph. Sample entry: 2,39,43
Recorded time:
10,31,49
